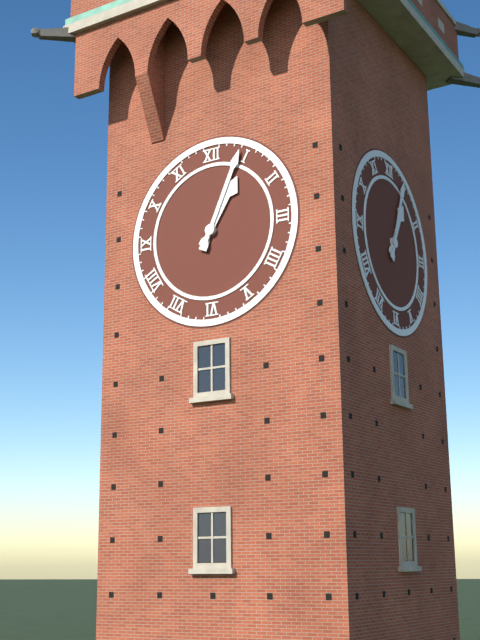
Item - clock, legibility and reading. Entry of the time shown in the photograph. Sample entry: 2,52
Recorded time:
1,04
